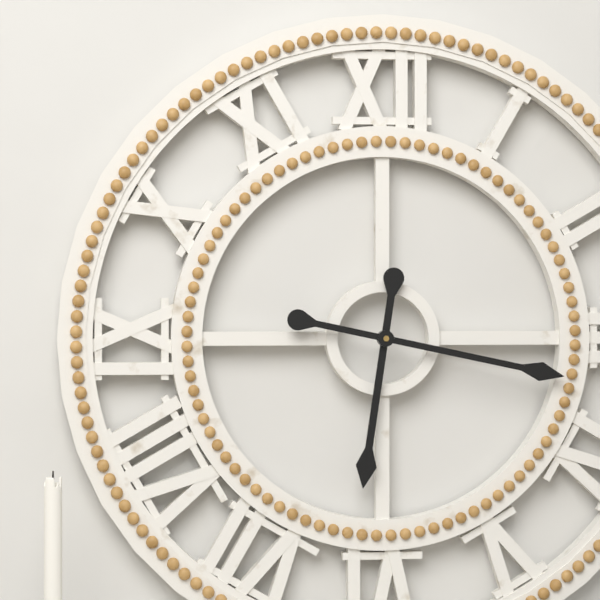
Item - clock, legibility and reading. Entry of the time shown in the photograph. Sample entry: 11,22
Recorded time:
6,17
